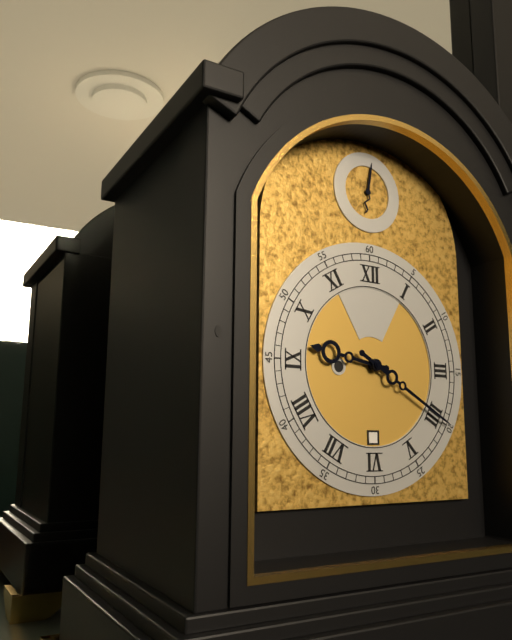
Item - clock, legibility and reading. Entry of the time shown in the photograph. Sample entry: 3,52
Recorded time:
9,20
